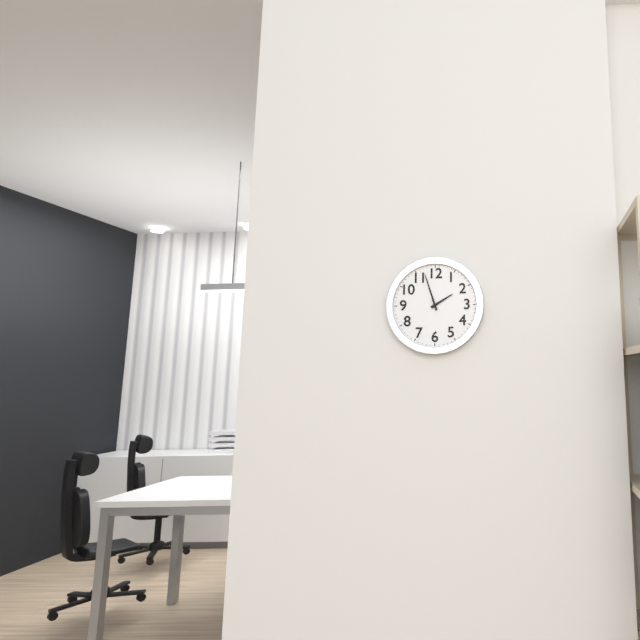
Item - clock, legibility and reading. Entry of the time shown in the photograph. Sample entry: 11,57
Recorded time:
1,57
